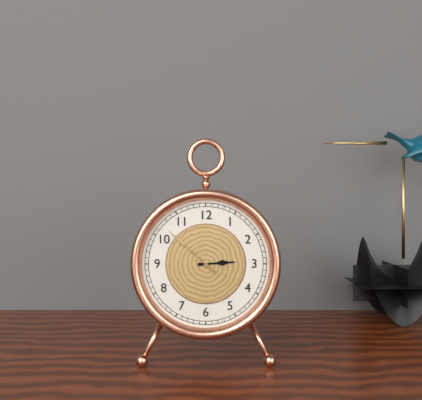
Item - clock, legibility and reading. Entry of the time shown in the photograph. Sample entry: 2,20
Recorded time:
2,52
